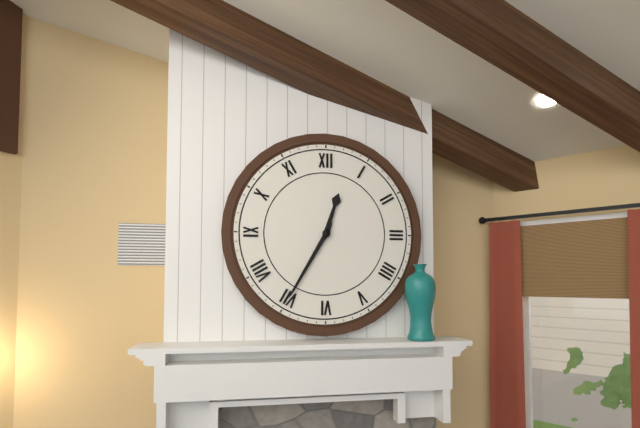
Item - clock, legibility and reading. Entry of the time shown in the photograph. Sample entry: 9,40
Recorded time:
12,35
